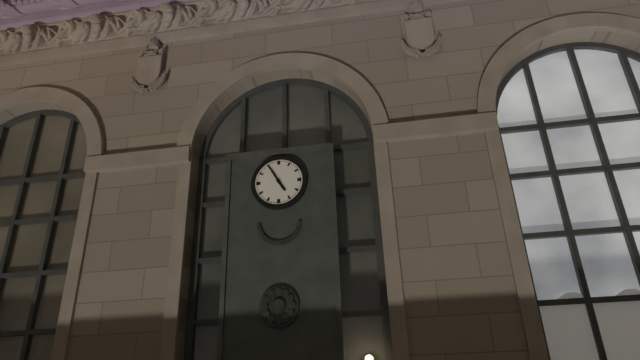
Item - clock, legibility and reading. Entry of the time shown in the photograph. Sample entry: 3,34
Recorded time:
4,55
